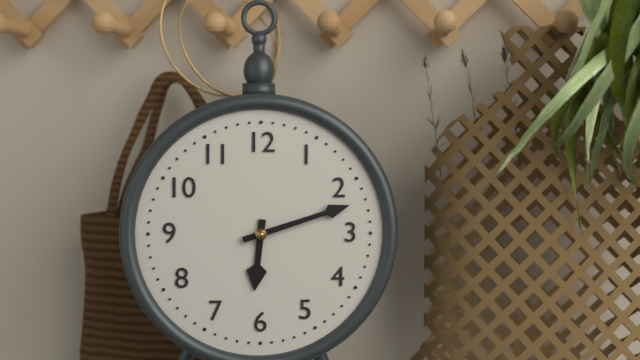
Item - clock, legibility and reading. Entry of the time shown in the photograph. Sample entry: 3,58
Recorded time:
6,12
